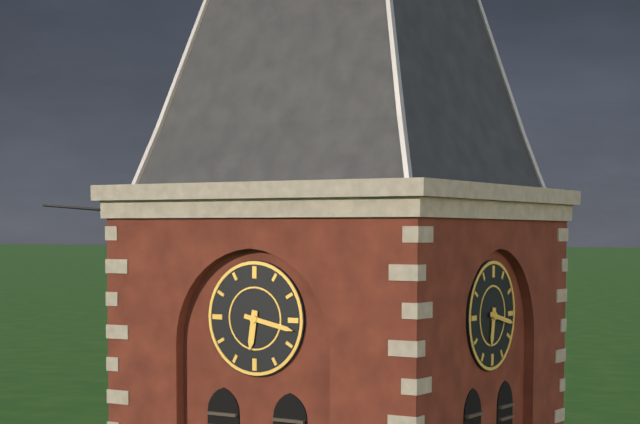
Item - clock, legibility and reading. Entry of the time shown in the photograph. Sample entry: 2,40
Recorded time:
6,17
